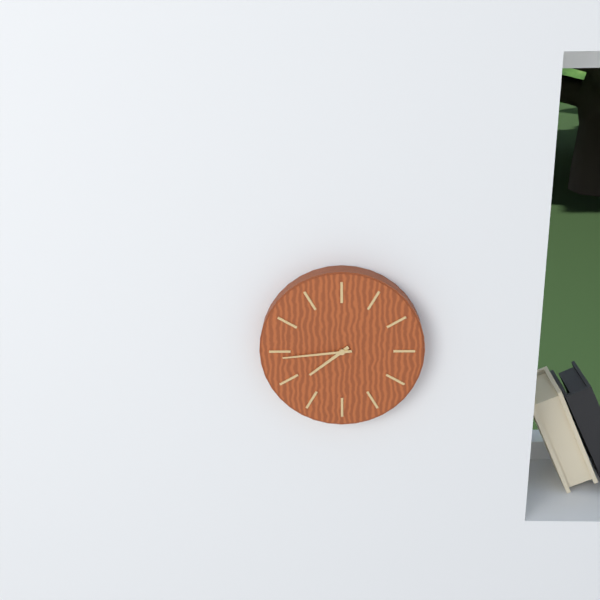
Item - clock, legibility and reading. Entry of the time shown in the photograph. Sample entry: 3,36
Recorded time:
7,44
